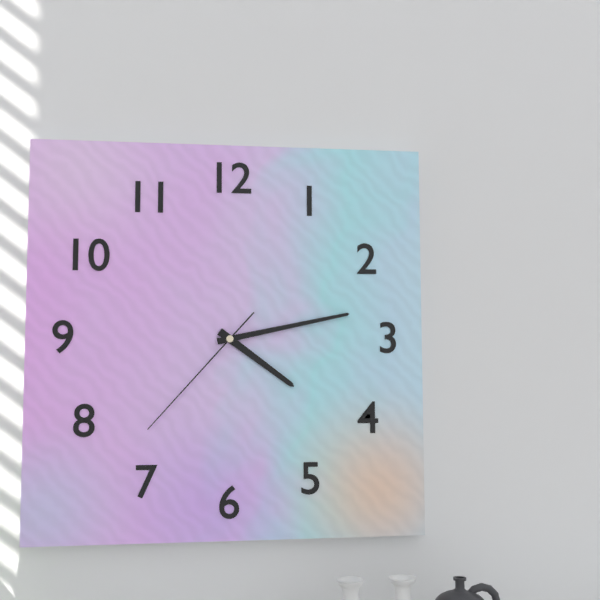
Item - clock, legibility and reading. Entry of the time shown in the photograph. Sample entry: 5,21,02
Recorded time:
4,13,37
